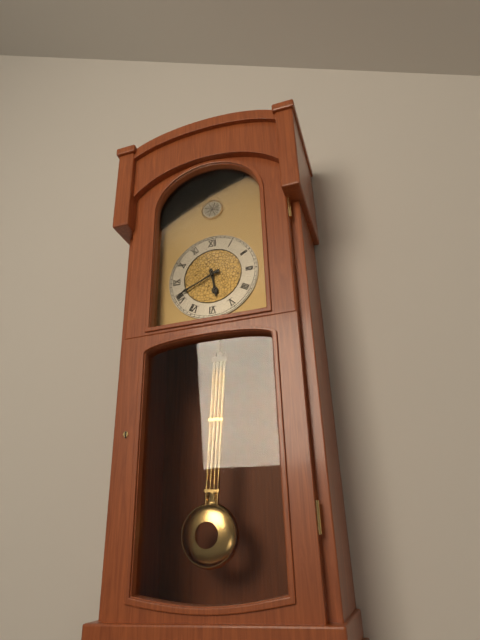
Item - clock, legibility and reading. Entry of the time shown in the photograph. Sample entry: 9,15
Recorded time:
5,41
